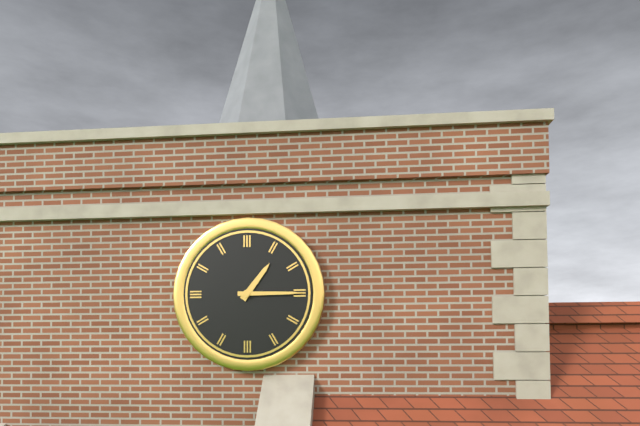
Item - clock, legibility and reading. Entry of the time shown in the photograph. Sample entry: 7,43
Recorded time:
1,15
